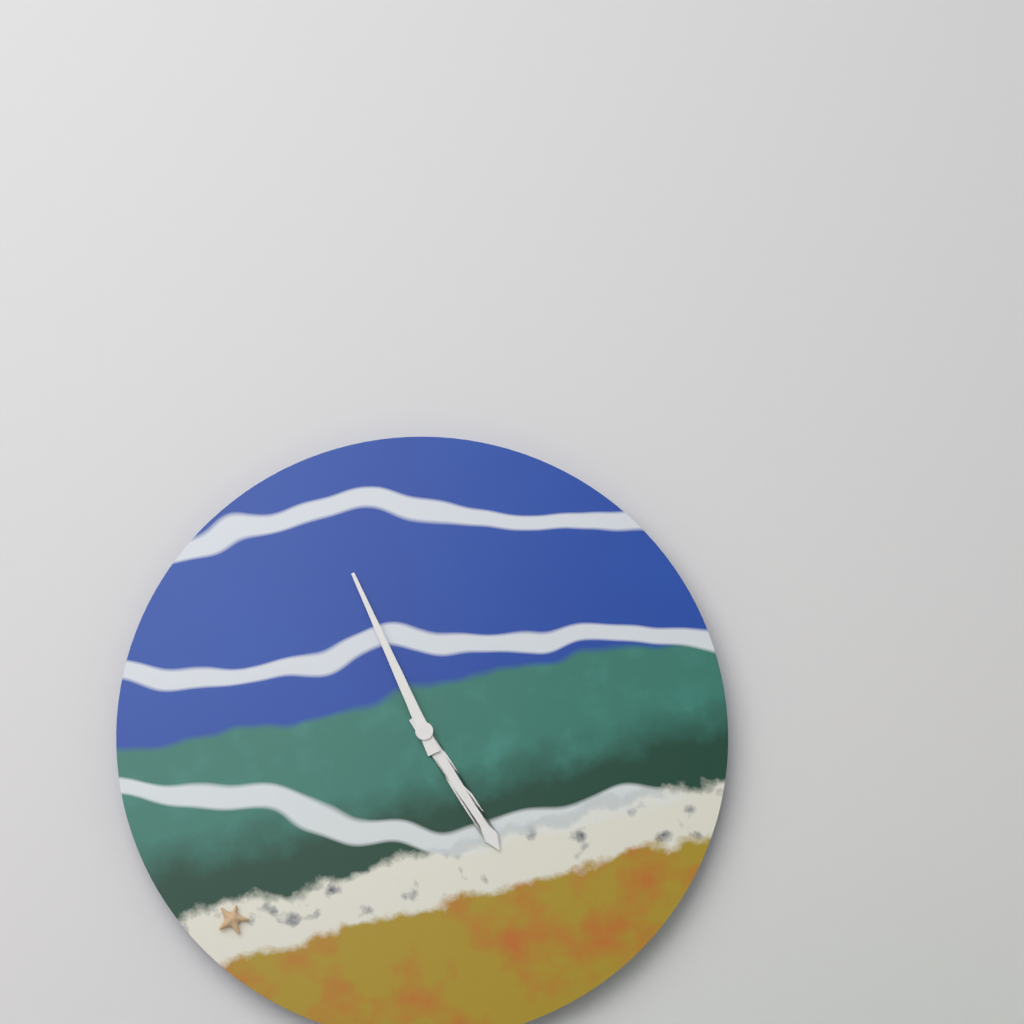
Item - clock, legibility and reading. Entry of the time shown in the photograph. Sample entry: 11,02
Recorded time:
4,56
